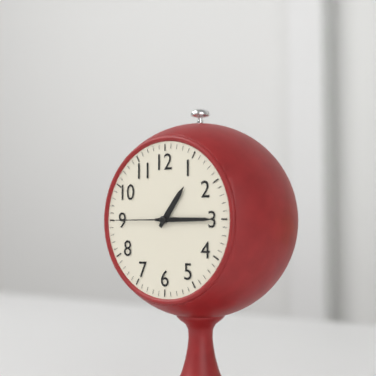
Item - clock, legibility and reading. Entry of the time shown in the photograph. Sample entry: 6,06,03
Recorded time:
1,15,45
